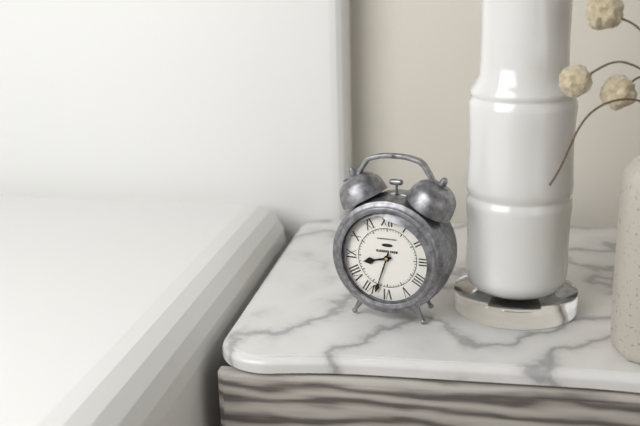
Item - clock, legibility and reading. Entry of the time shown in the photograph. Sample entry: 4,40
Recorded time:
8,33
